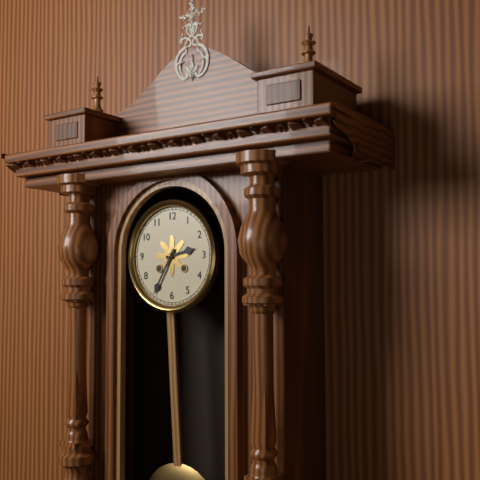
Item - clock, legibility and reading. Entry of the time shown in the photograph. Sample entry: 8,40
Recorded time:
2,35
